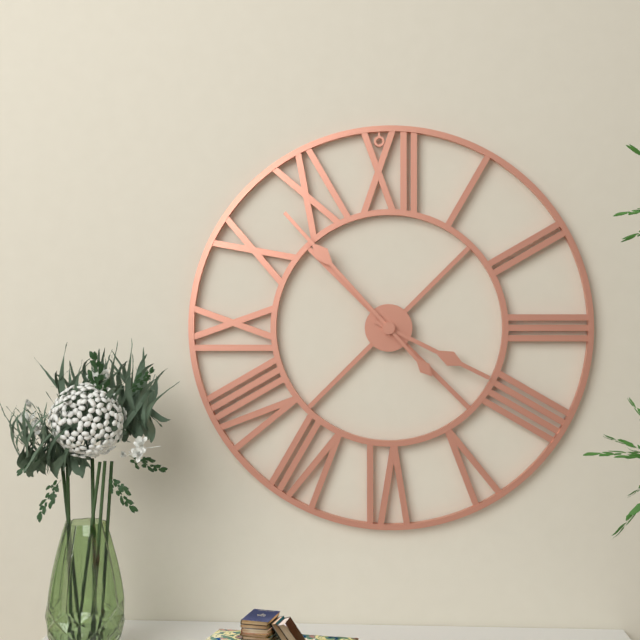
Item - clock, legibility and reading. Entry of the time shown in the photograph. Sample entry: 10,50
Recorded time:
3,53
